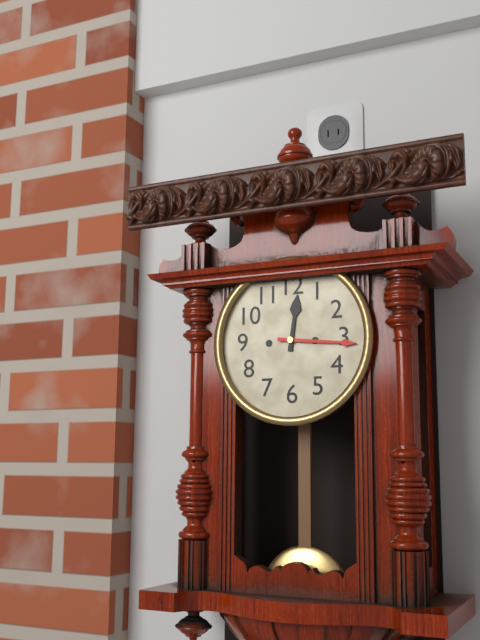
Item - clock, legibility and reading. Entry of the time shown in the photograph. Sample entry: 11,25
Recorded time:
12,16
